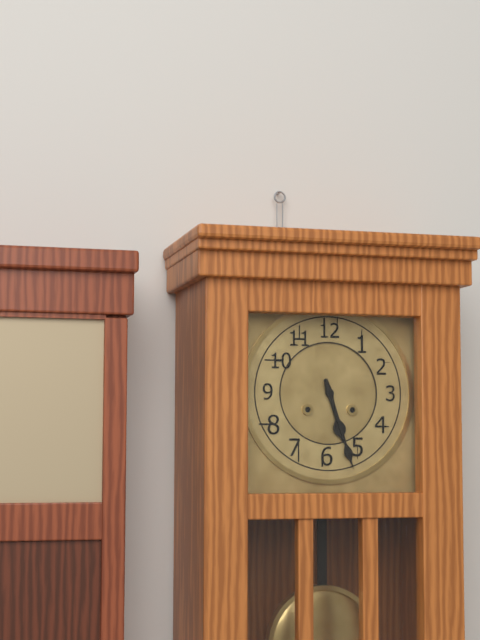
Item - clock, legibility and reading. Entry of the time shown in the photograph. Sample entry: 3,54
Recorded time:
5,27
